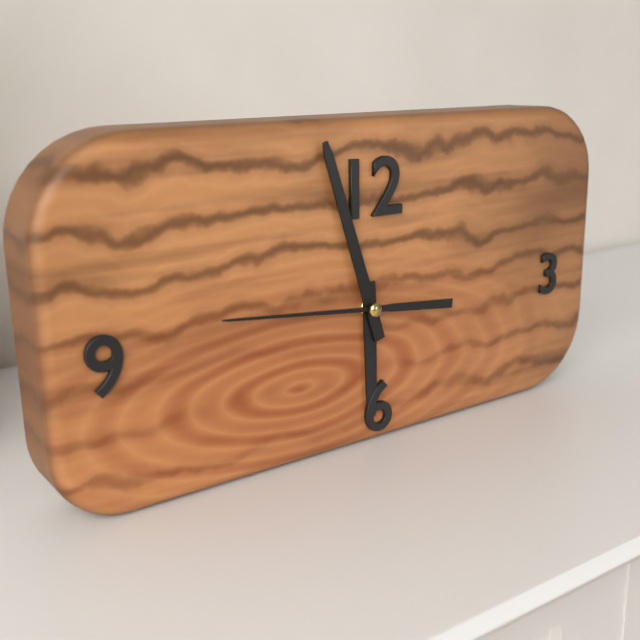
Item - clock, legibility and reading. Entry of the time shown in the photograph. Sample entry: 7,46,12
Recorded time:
5,57,46
